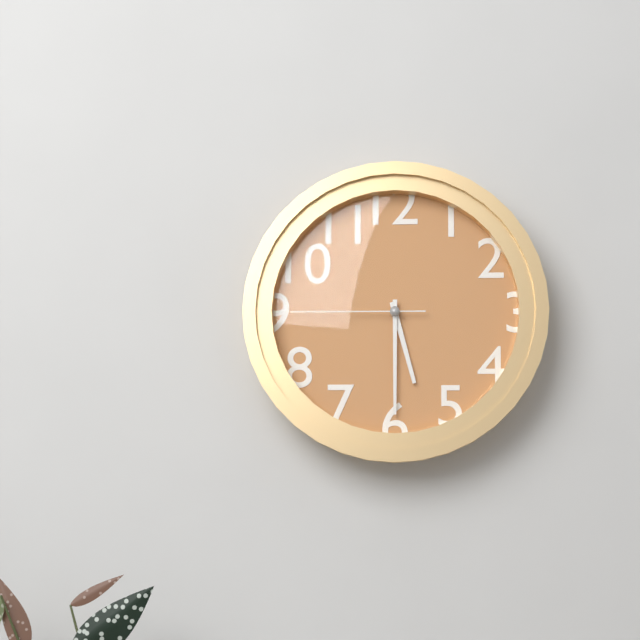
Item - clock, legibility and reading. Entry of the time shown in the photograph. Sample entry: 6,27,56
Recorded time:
5,30,45
